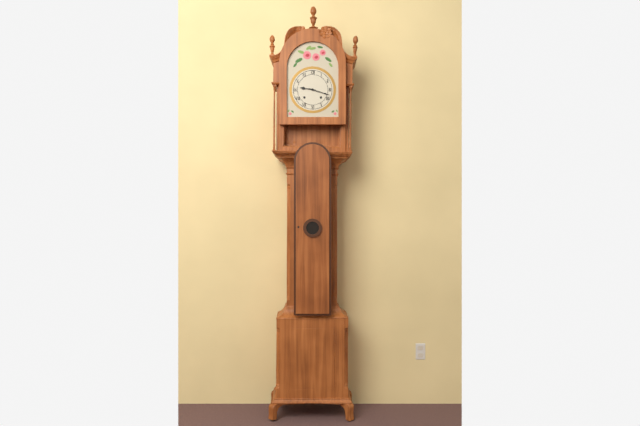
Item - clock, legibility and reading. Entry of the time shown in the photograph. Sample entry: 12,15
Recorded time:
9,18
